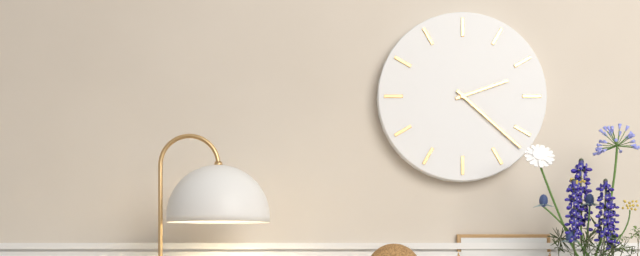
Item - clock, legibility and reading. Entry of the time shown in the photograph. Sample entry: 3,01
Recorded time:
2,22
